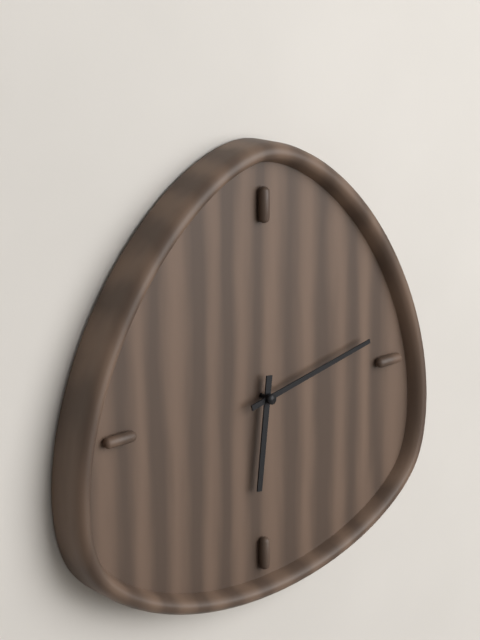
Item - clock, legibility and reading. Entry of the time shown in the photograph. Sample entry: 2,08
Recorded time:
6,13
